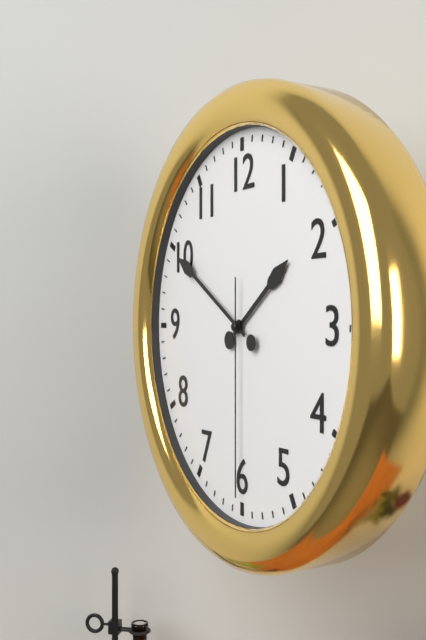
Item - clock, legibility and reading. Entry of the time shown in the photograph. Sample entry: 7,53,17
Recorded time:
1,50,30
